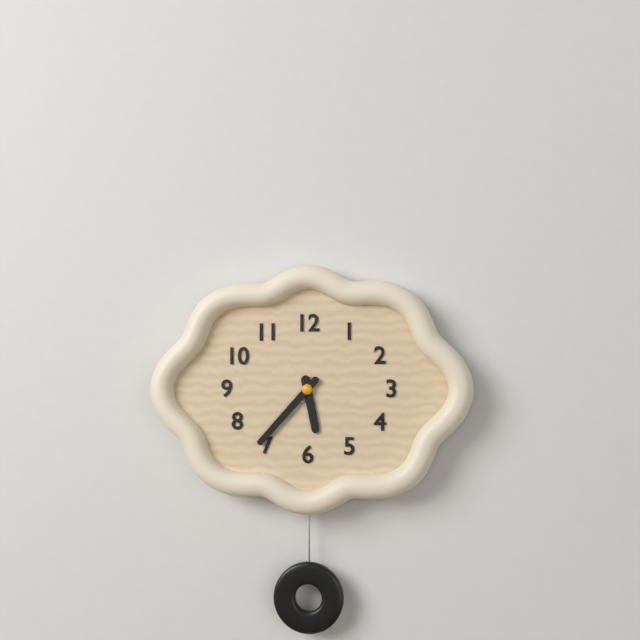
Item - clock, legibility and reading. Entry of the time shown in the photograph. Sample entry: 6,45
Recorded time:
5,37
